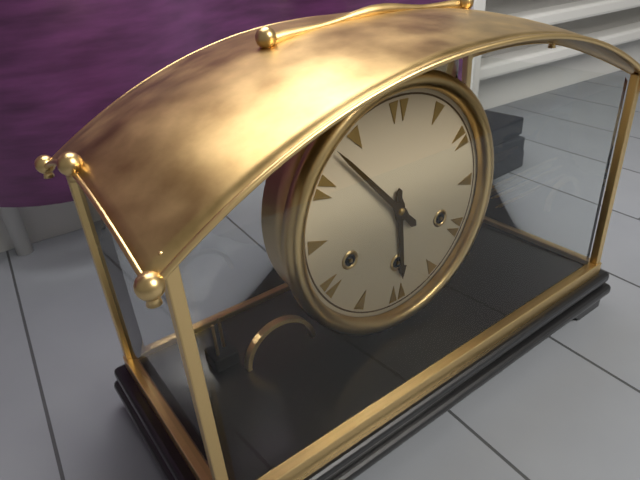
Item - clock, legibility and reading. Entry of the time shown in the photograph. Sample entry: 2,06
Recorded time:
5,53
